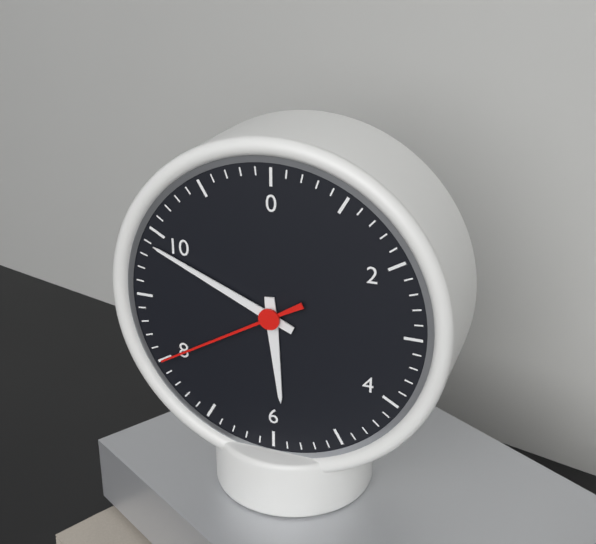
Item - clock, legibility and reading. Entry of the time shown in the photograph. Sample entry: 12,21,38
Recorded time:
5,49,40
